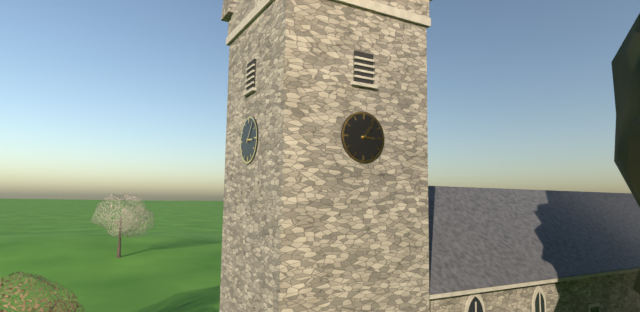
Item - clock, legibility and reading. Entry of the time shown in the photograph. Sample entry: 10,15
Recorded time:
3,06
